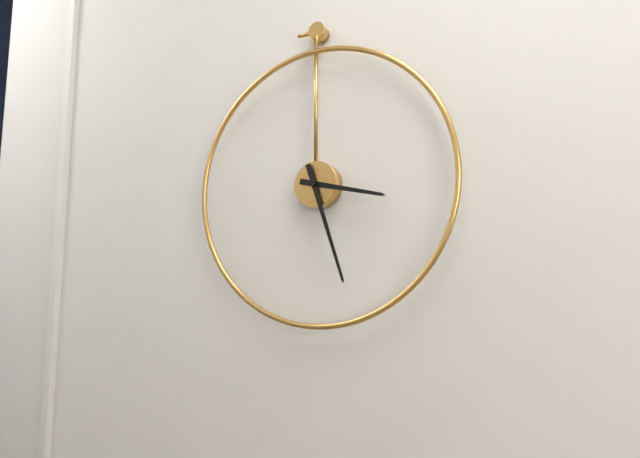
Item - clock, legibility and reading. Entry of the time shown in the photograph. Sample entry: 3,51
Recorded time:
3,27
